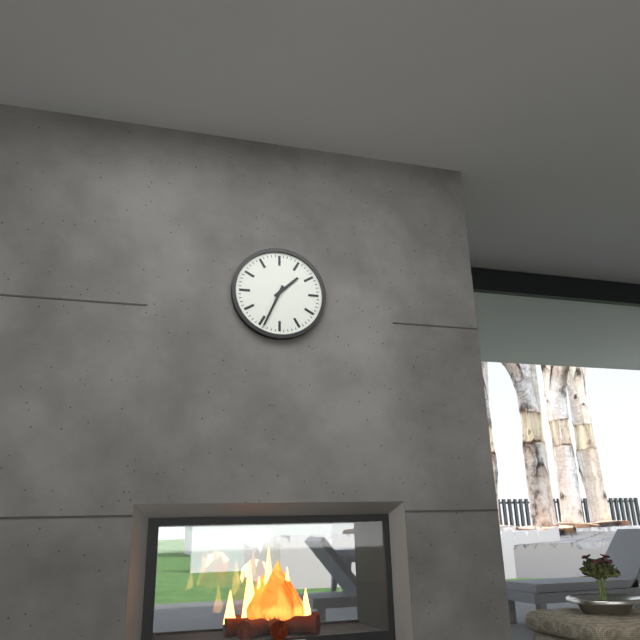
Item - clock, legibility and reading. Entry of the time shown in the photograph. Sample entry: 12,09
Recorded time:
1,34
